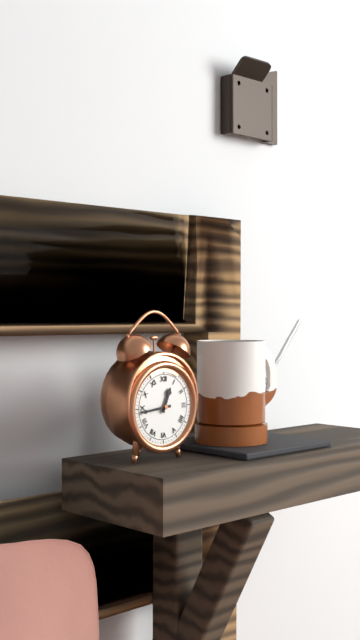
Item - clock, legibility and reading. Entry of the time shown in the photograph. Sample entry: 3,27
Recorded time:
12,44
